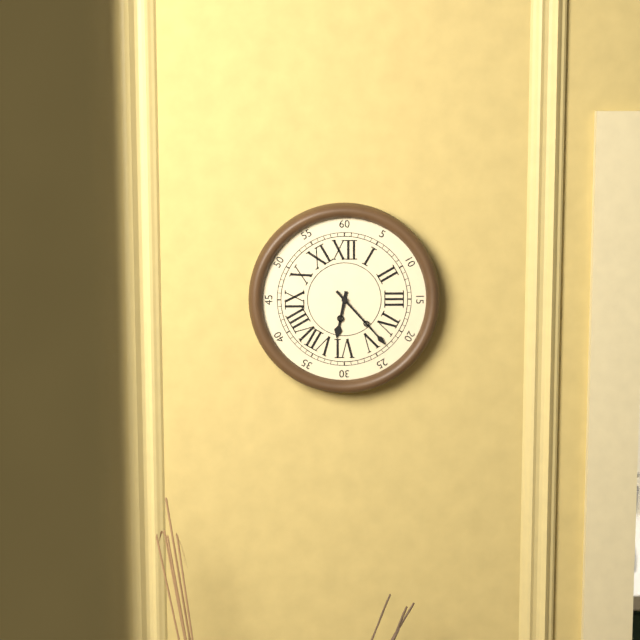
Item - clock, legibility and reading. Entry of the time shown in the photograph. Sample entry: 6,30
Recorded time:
6,23
